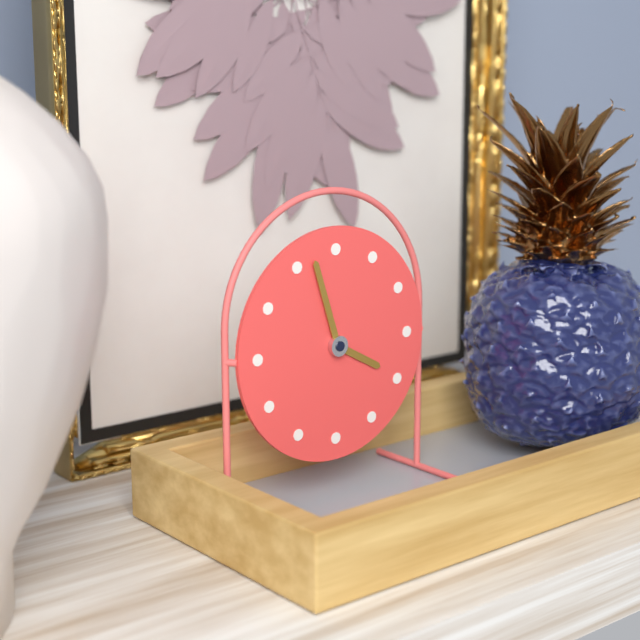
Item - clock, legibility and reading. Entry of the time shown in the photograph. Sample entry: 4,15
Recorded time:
3,57
